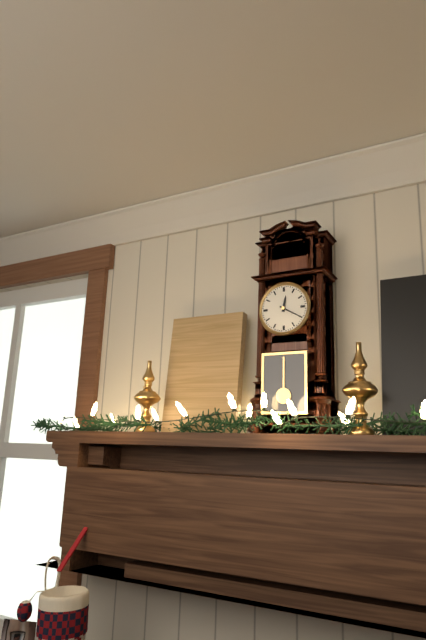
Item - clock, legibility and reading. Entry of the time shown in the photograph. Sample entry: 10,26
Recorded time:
12,20
